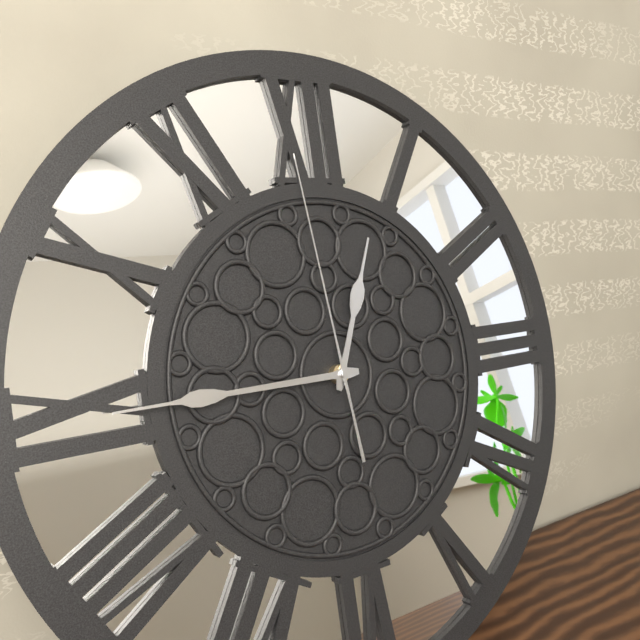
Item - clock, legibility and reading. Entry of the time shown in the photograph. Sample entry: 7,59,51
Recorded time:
12,45,59
